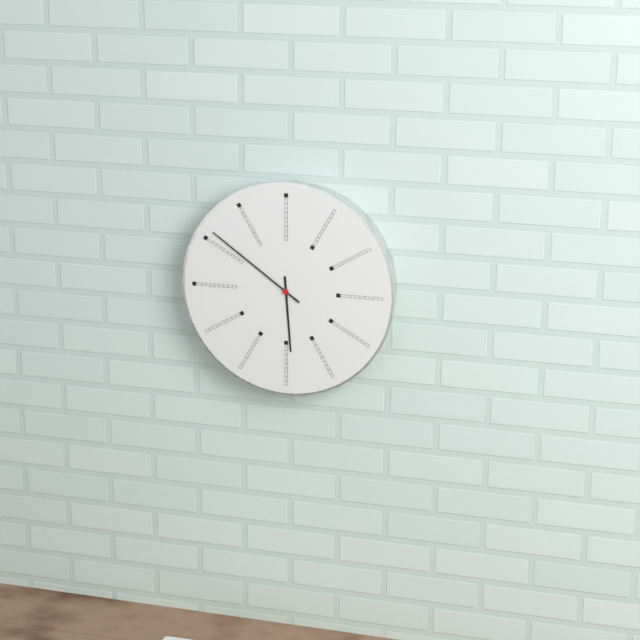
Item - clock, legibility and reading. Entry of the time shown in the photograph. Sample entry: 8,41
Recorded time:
5,51
